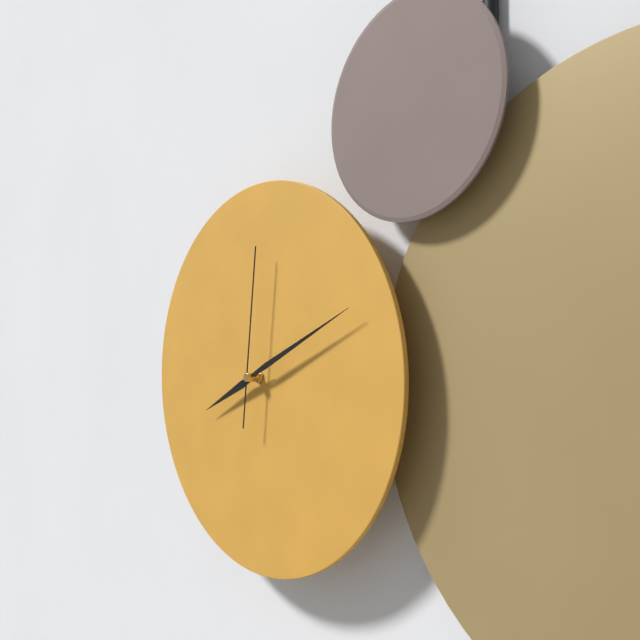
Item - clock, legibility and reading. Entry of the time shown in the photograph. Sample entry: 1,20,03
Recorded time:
8,11,01
